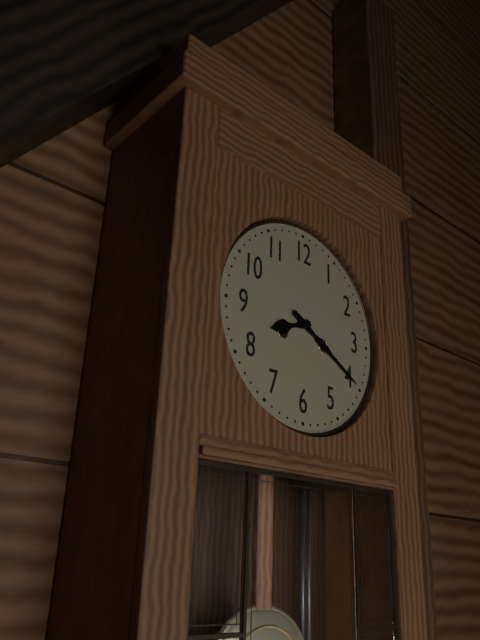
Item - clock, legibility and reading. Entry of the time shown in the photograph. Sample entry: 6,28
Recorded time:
8,20
